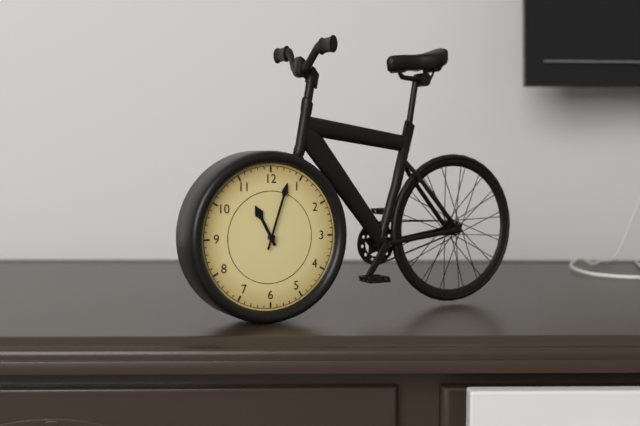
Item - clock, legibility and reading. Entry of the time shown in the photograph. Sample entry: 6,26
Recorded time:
11,03
